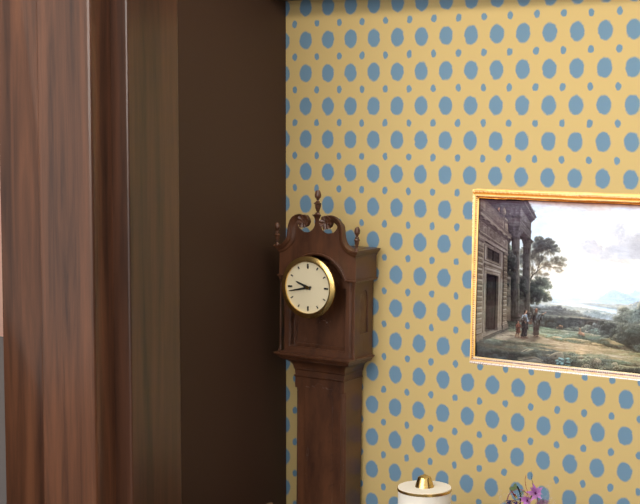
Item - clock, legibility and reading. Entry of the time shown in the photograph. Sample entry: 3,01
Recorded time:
9,43
